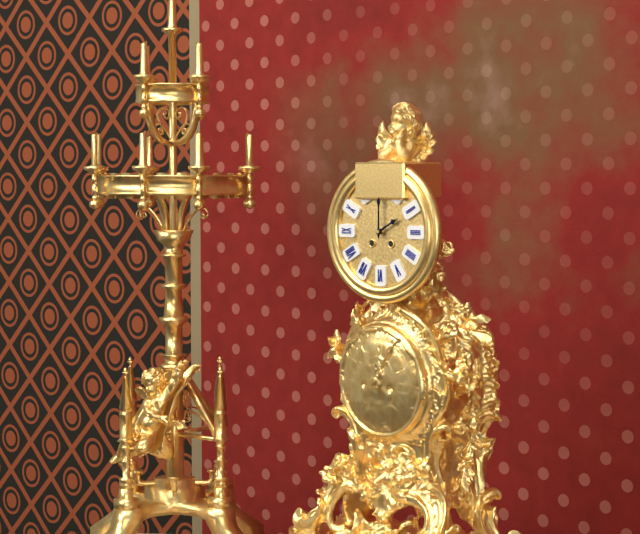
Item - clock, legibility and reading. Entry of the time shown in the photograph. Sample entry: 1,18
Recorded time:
2,00
